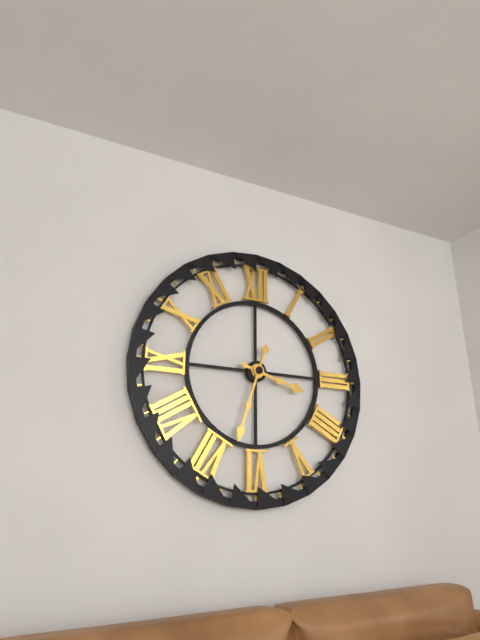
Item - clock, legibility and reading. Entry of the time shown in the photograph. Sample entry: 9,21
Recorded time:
3,33
